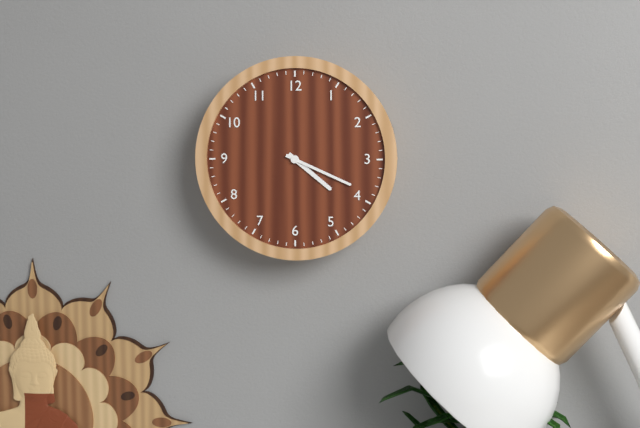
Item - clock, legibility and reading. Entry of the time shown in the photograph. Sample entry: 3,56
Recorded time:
4,19
